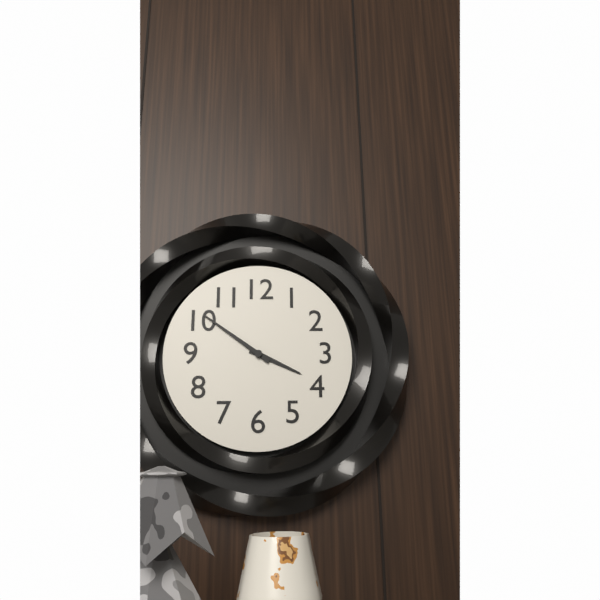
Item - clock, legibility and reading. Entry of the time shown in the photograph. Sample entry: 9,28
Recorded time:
3,51
